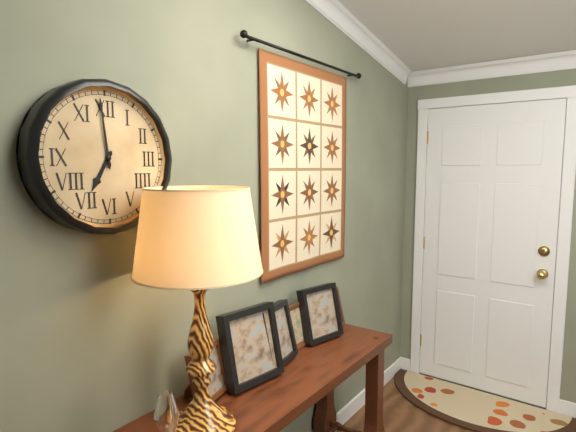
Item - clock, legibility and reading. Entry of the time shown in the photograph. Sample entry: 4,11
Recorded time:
6,59
